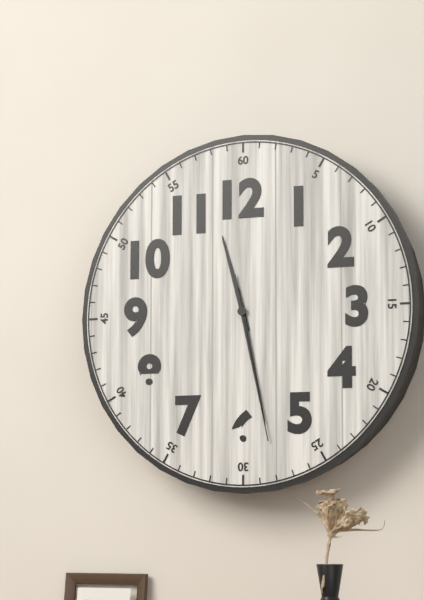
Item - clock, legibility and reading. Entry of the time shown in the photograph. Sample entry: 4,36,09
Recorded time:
11,28,28
